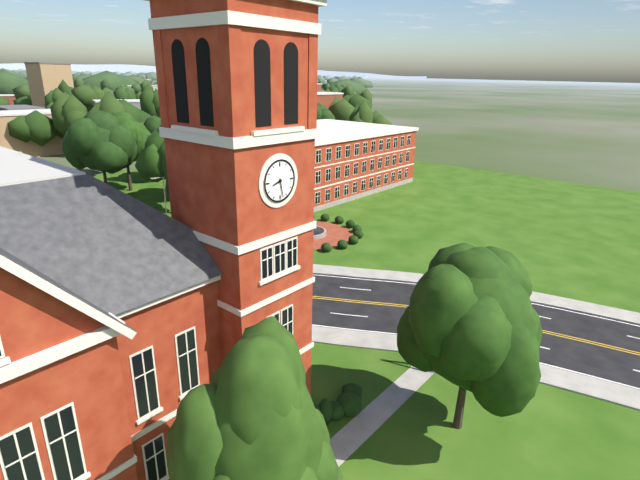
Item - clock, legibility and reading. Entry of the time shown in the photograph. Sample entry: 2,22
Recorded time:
8,28
